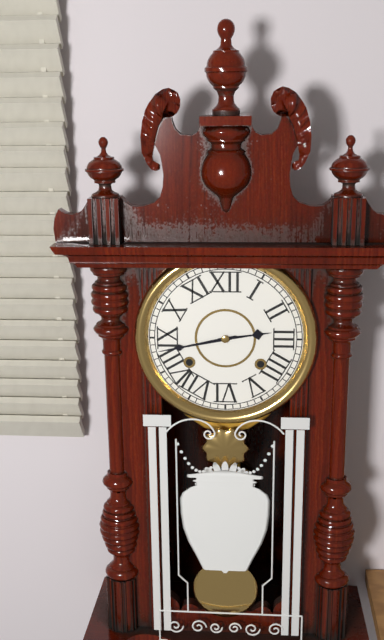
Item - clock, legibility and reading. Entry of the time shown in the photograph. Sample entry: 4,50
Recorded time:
2,43
